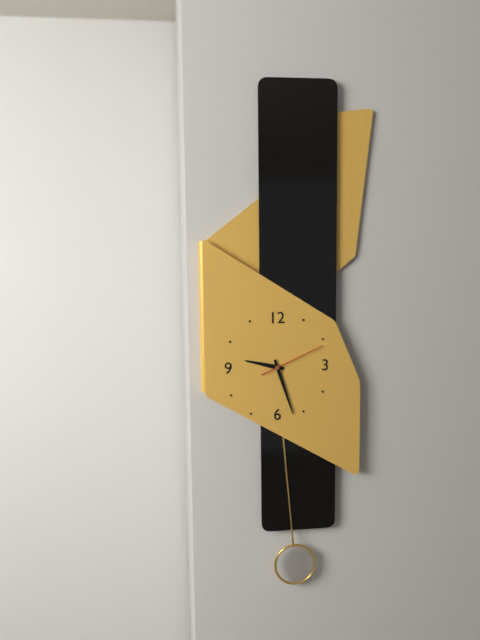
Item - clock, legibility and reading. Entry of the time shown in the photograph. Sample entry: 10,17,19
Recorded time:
9,27,11
